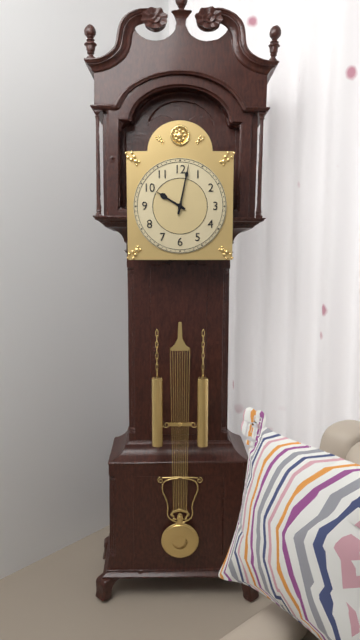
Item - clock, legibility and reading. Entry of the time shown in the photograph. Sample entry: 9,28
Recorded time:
10,02
